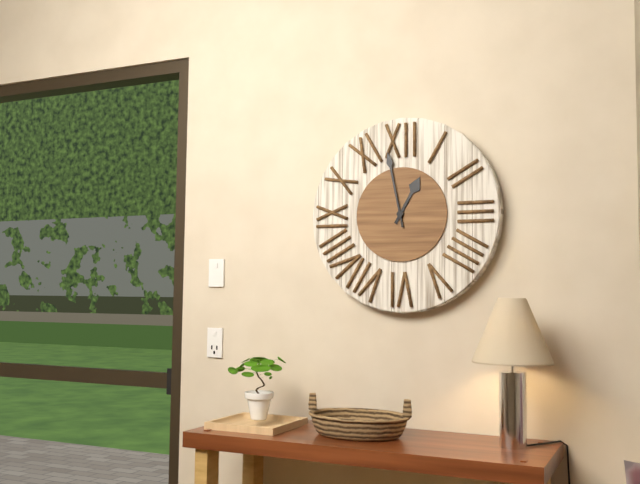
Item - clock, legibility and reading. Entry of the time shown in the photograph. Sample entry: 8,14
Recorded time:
12,58
